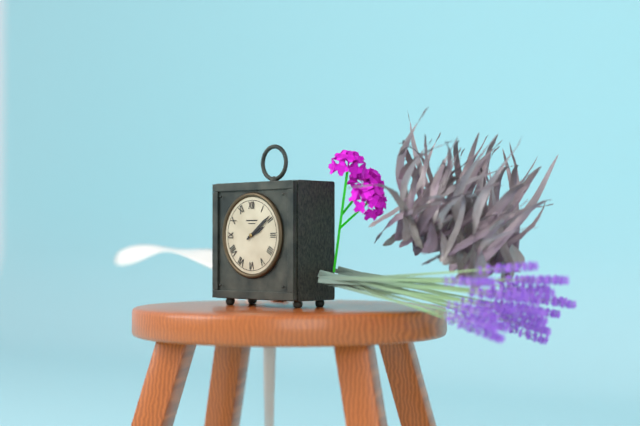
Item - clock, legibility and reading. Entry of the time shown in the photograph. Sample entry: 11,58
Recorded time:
2,09
